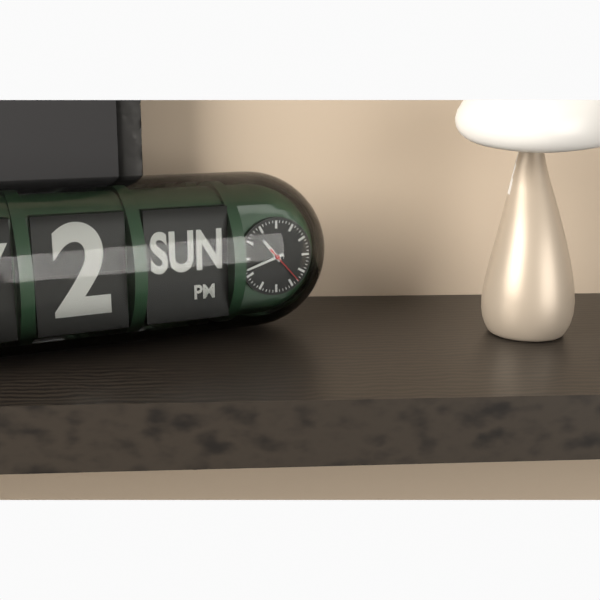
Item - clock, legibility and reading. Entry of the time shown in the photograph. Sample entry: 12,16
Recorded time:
10,42
